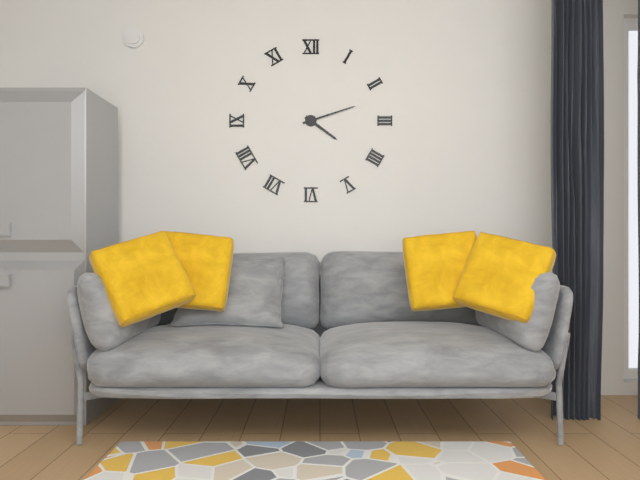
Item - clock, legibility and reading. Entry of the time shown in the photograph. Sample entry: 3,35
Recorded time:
4,12
